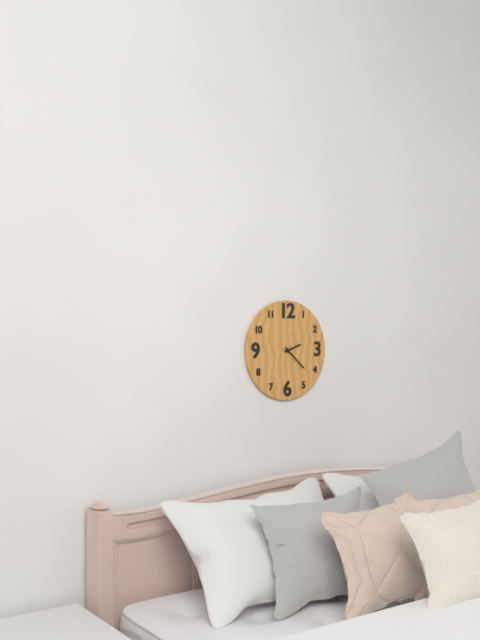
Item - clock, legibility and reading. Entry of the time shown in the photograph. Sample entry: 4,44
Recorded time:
2,22
